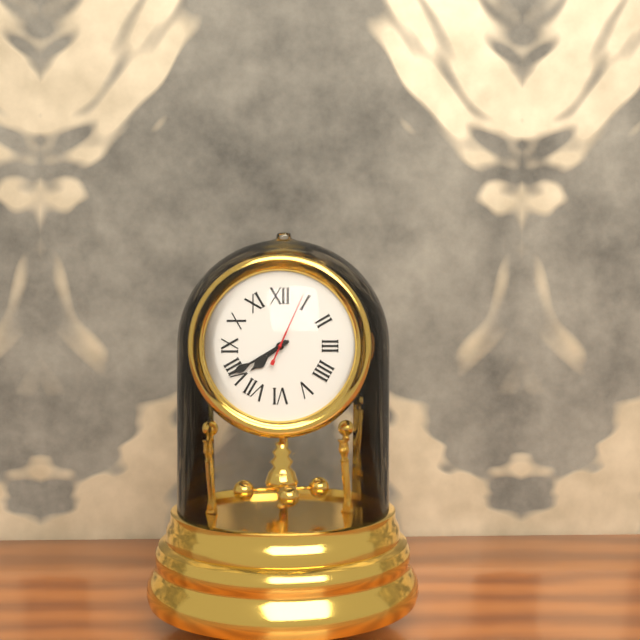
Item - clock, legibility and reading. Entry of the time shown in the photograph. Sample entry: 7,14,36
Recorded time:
7,40,04
